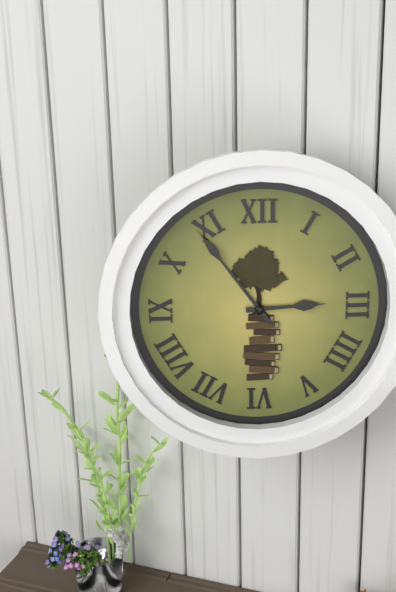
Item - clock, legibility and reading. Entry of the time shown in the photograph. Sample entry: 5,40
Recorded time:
2,54
